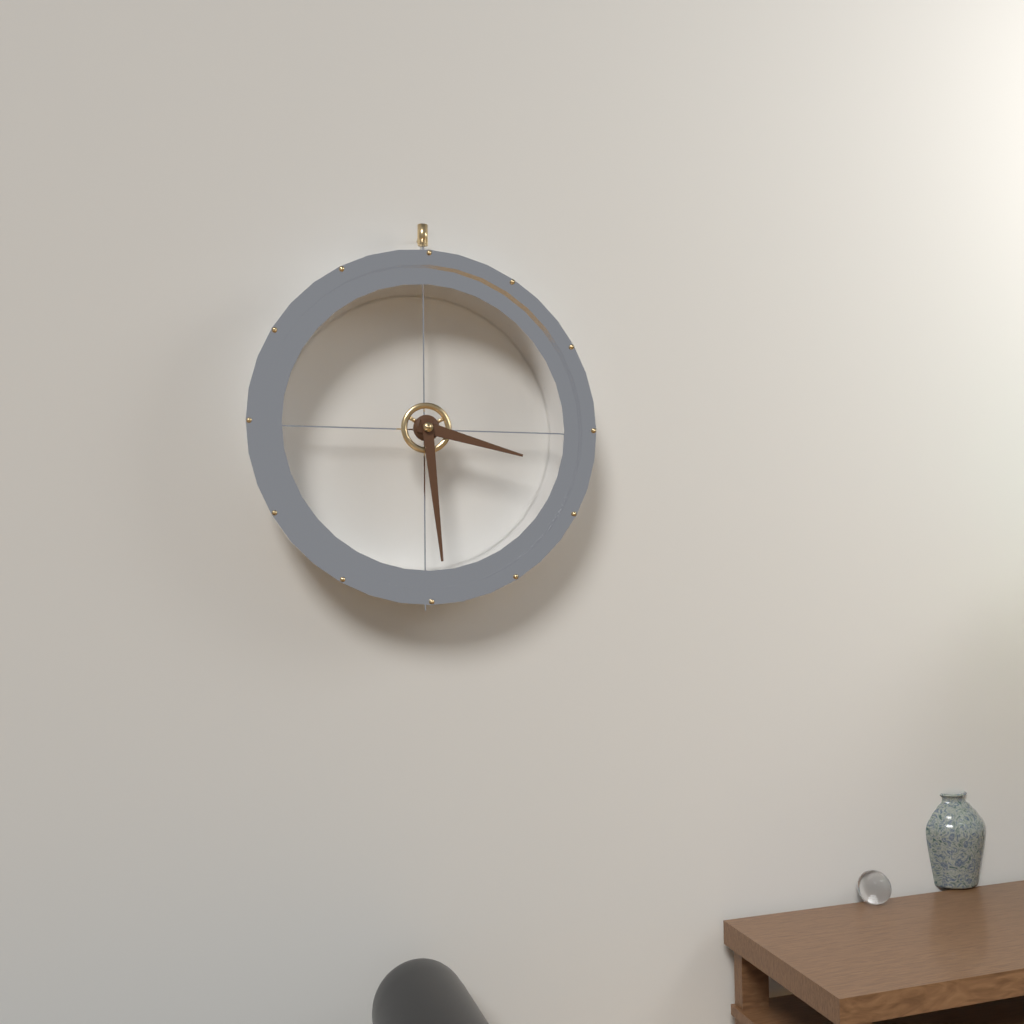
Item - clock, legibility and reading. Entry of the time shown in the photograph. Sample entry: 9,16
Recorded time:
3,29
